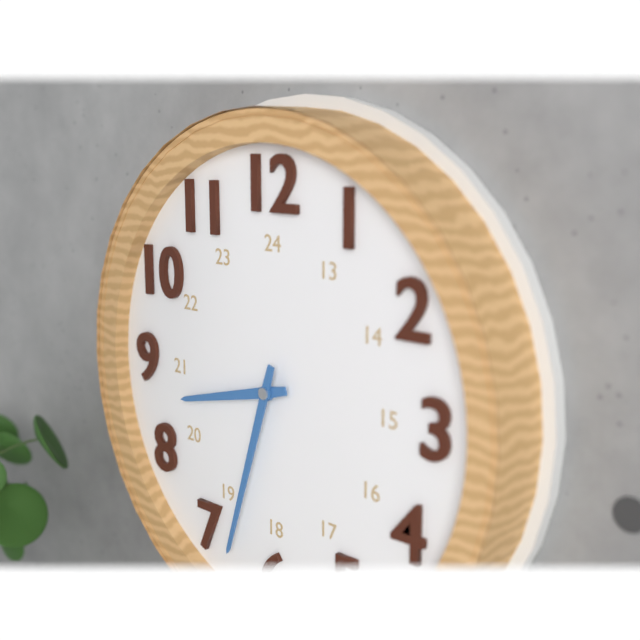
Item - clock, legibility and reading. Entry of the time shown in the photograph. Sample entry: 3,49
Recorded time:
8,33
